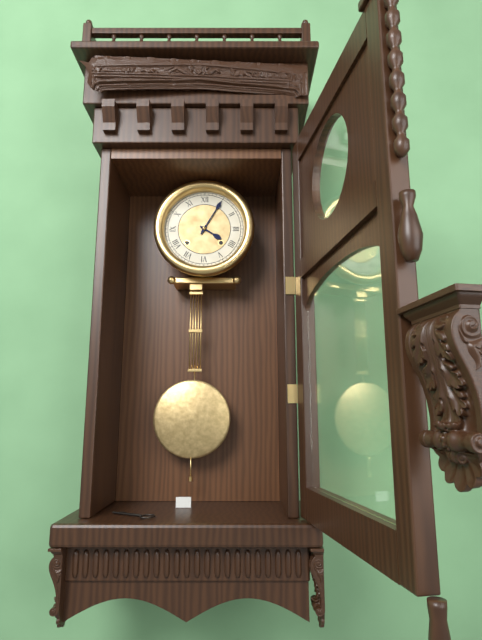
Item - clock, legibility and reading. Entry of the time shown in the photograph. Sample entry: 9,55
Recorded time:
4,05
